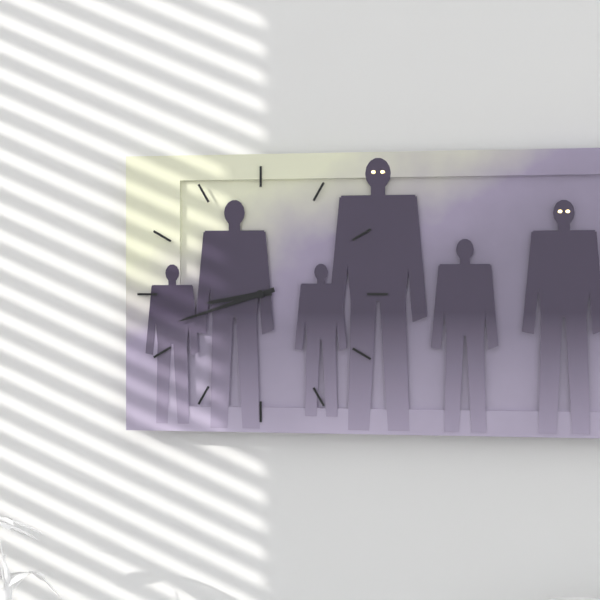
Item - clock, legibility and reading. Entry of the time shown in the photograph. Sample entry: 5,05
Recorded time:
8,42
